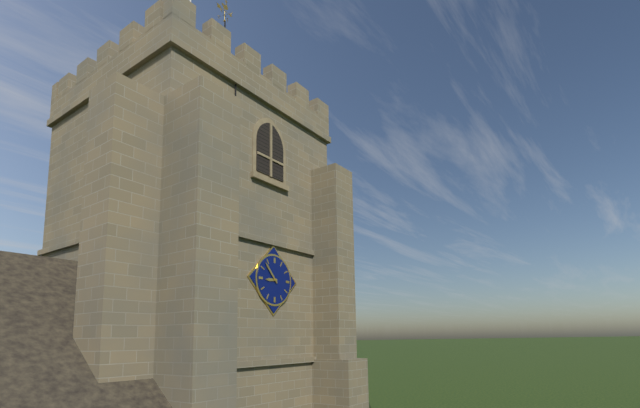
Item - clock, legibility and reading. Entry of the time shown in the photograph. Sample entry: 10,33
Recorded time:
8,53
